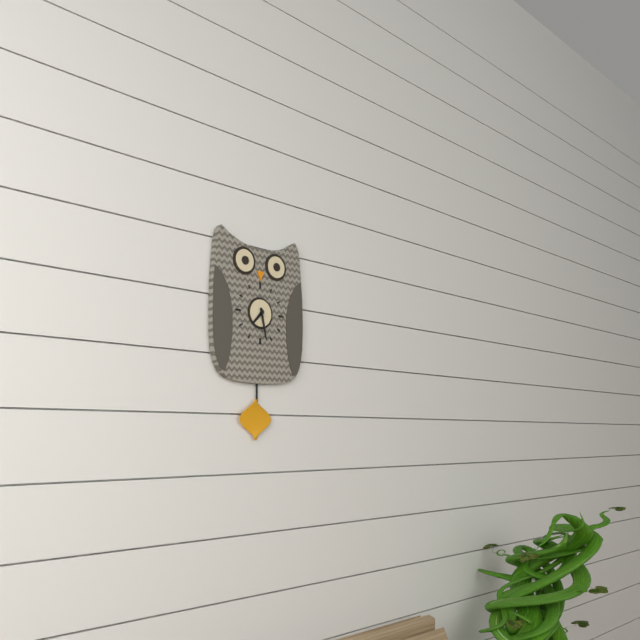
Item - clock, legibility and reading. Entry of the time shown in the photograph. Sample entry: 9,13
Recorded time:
7,28
